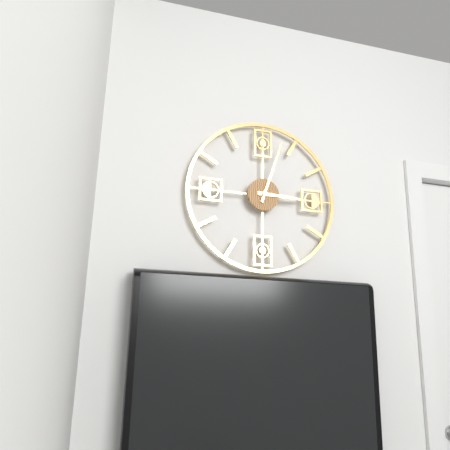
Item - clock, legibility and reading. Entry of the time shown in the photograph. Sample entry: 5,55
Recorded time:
3,03
